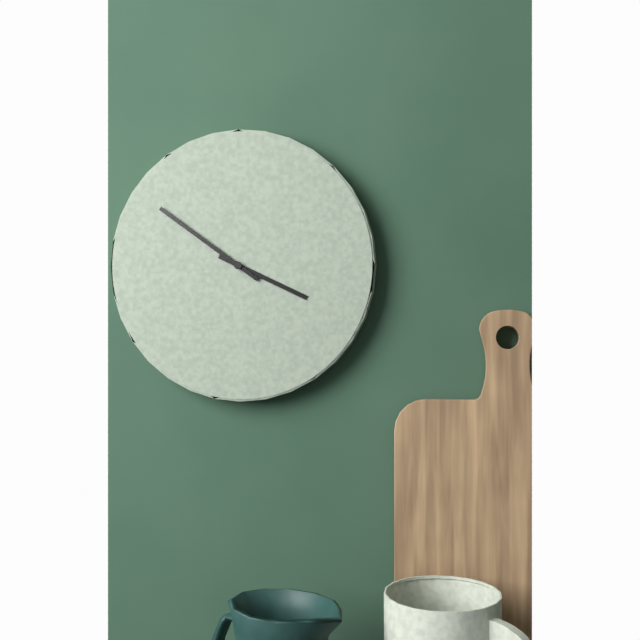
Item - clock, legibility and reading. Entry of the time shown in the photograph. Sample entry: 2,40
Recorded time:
3,51
